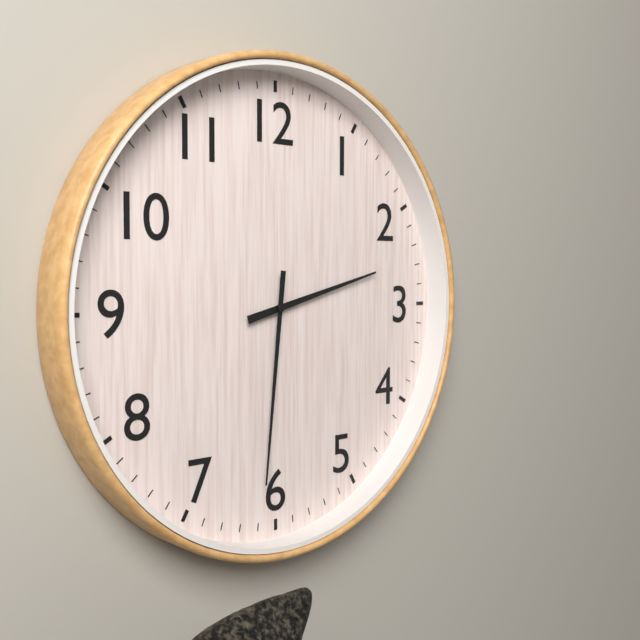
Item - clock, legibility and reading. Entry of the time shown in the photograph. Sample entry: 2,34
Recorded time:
2,31
